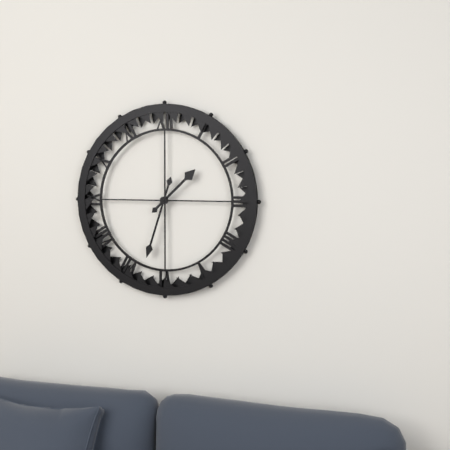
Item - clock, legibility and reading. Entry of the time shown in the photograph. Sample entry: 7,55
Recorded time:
1,33
